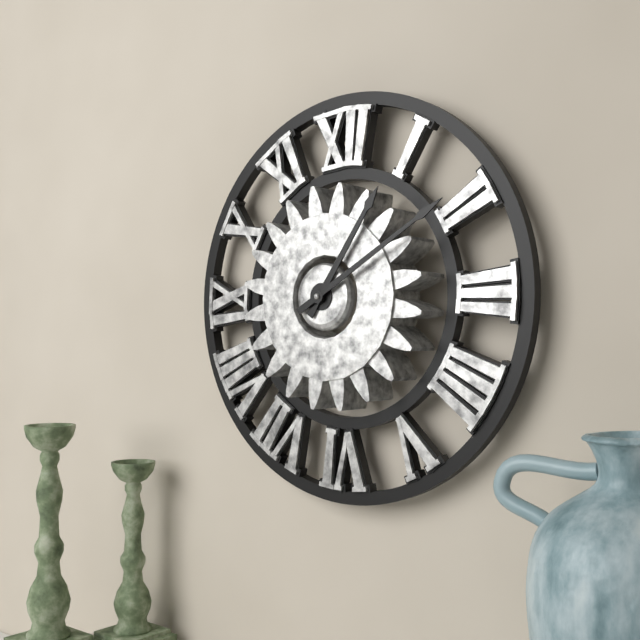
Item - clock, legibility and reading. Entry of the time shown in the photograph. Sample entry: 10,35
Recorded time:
1,10
